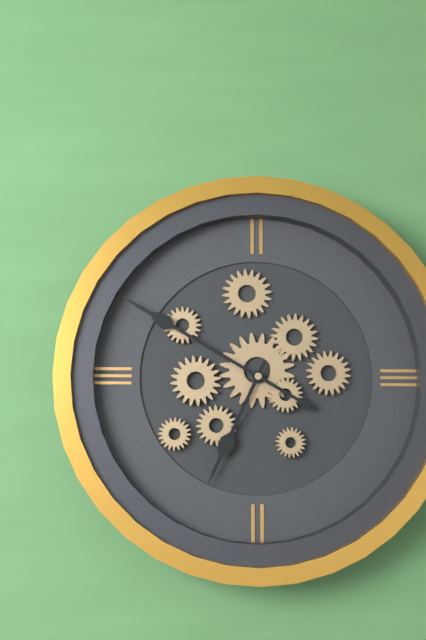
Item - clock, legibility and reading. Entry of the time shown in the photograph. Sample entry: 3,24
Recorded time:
6,50
